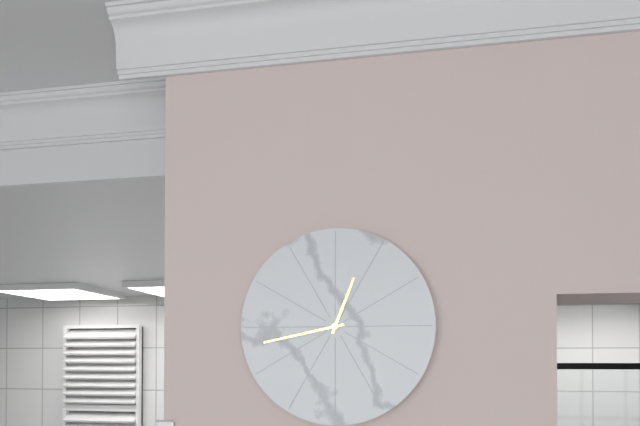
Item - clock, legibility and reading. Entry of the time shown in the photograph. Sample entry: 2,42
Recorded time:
12,43
